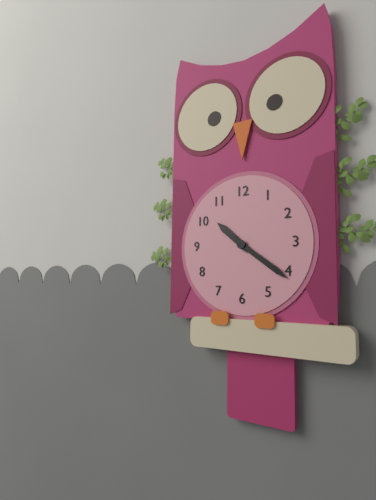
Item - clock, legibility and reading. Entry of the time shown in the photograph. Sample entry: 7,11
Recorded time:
10,21
